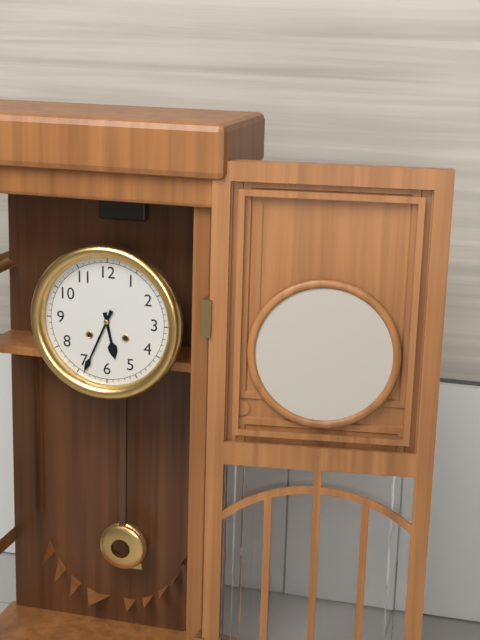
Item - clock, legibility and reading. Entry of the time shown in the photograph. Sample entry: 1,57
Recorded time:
5,34
